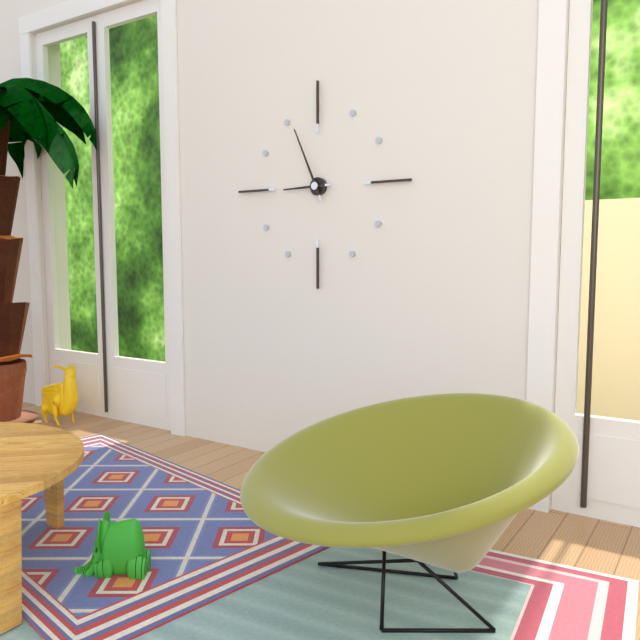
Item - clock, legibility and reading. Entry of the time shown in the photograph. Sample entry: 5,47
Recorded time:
8,56
